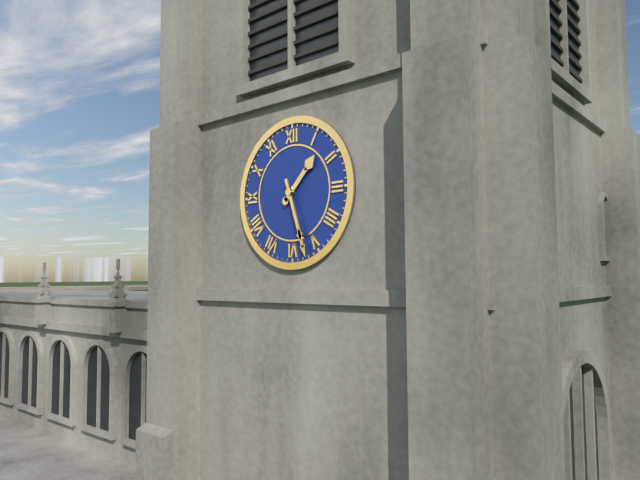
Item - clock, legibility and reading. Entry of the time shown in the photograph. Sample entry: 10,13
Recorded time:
1,27
